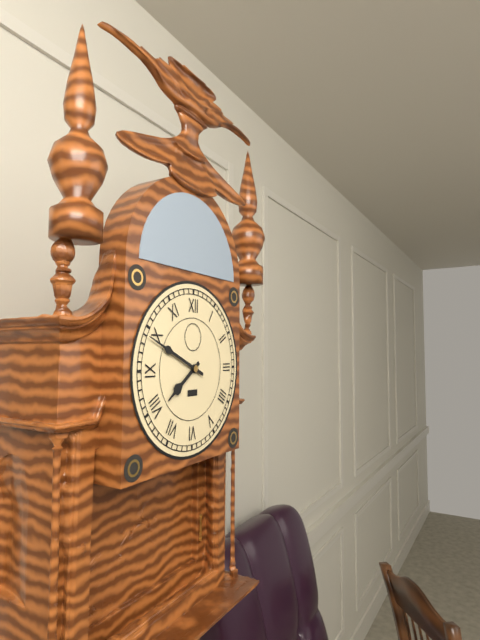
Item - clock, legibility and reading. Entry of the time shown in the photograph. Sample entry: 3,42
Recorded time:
7,49
